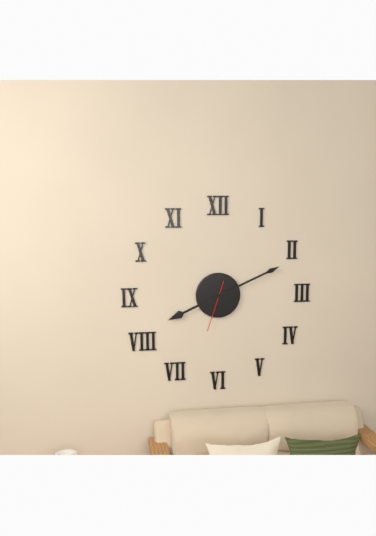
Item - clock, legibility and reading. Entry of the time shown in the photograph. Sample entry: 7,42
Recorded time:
8,11
